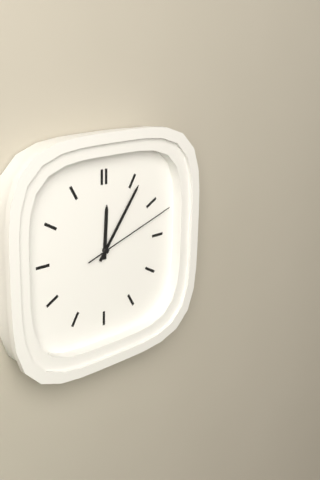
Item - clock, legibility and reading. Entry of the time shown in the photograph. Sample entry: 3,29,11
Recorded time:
12,06,12
